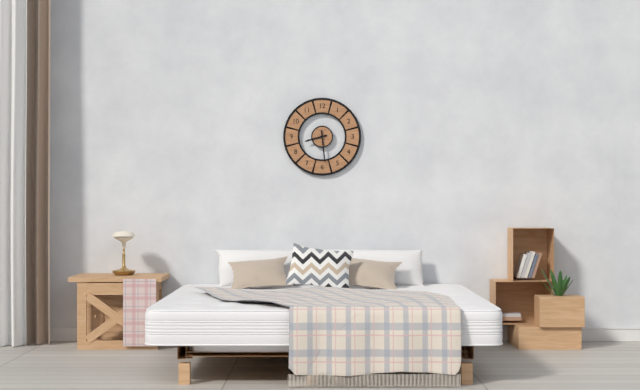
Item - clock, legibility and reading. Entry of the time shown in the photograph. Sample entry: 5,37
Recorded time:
8,29
